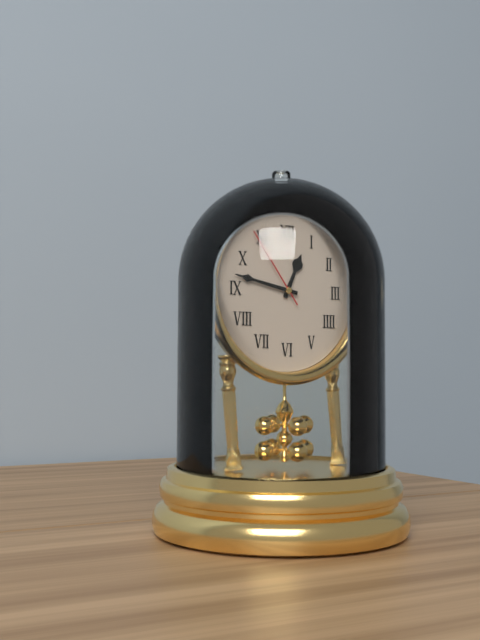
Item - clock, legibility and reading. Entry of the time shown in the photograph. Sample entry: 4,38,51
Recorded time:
12,47,54
